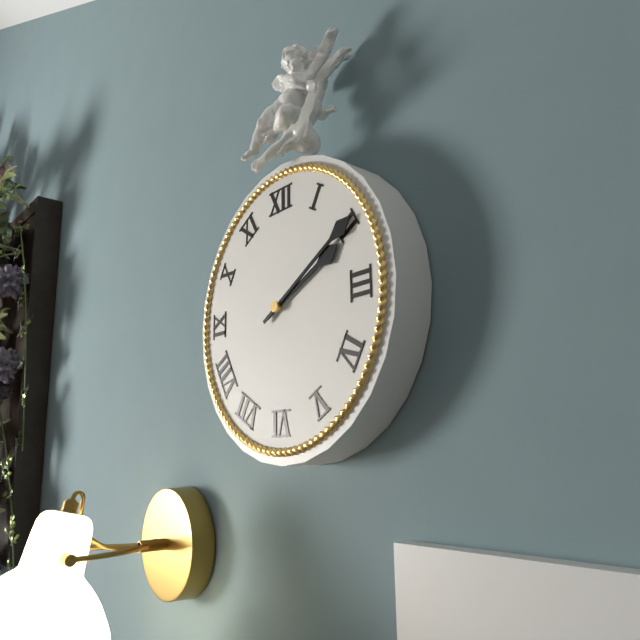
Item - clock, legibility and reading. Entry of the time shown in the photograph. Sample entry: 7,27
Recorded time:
2,10
